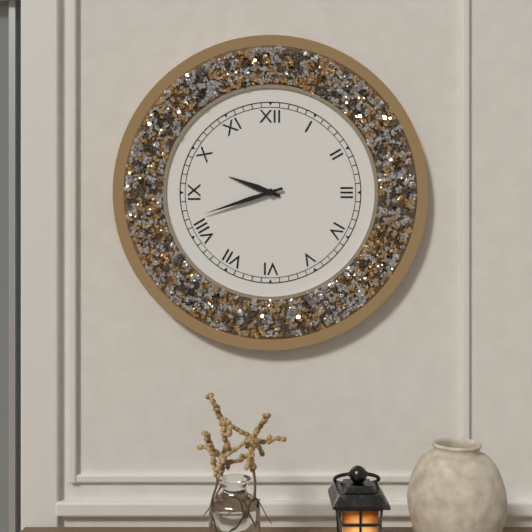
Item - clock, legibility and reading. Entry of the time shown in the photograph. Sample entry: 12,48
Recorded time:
9,42
